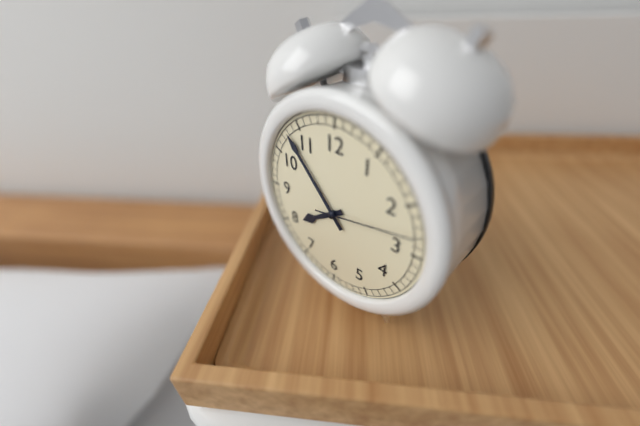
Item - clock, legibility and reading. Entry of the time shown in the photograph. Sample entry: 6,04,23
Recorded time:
7,53,13
